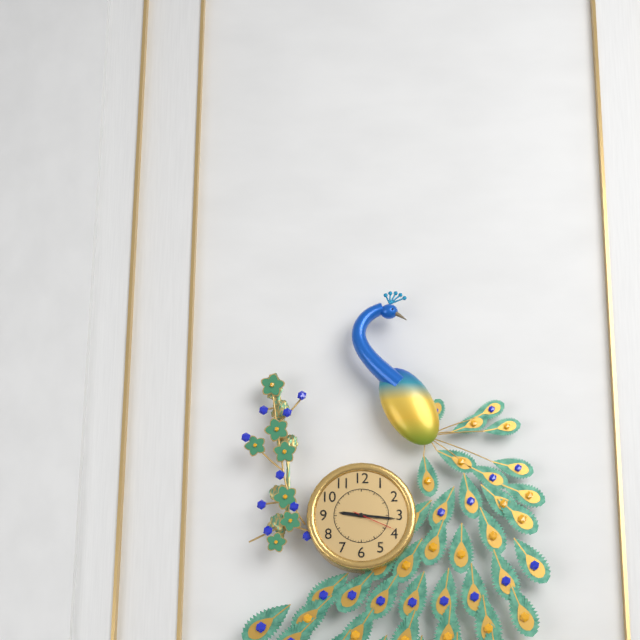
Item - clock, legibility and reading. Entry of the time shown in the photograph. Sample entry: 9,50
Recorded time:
9,16
